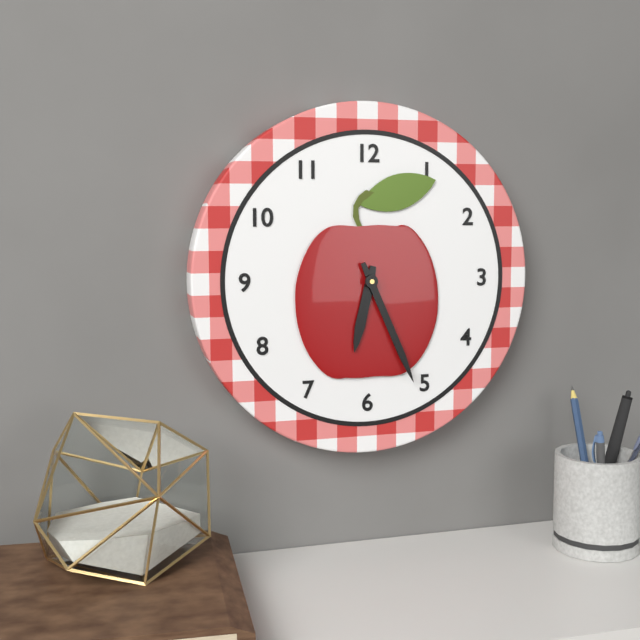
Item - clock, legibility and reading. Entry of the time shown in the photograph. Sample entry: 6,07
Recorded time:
6,26
